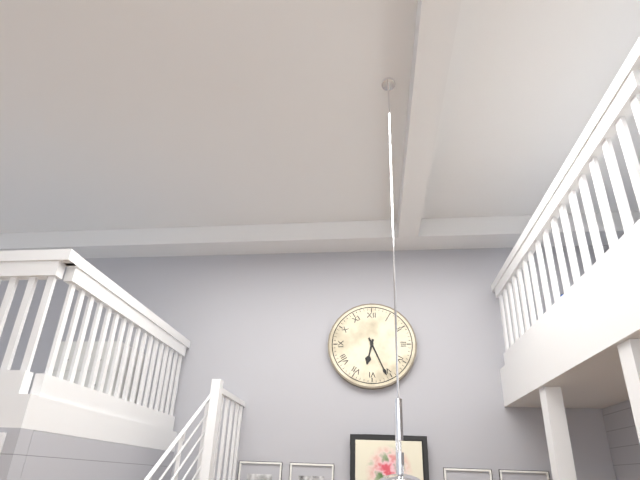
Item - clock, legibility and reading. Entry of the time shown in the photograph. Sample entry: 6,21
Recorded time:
6,26
